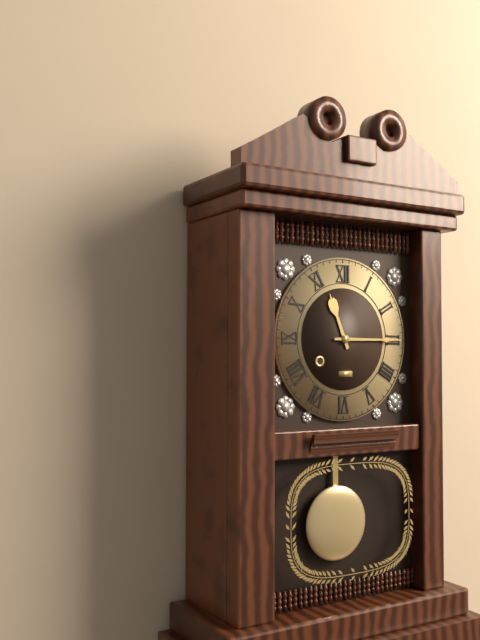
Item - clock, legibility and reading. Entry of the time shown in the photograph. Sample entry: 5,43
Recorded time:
11,15
